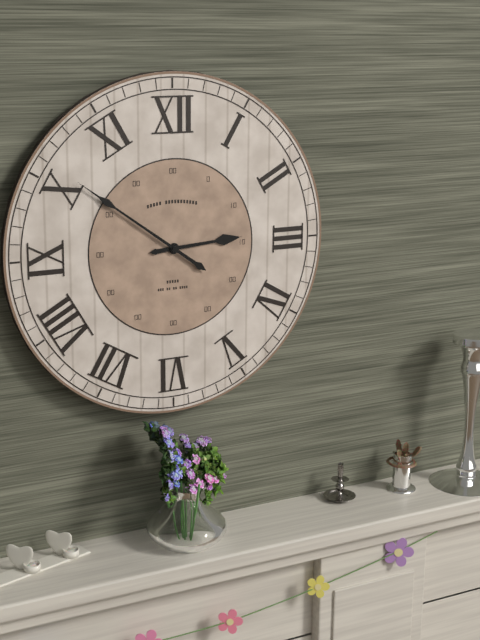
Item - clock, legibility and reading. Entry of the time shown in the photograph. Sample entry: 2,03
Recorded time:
2,51
